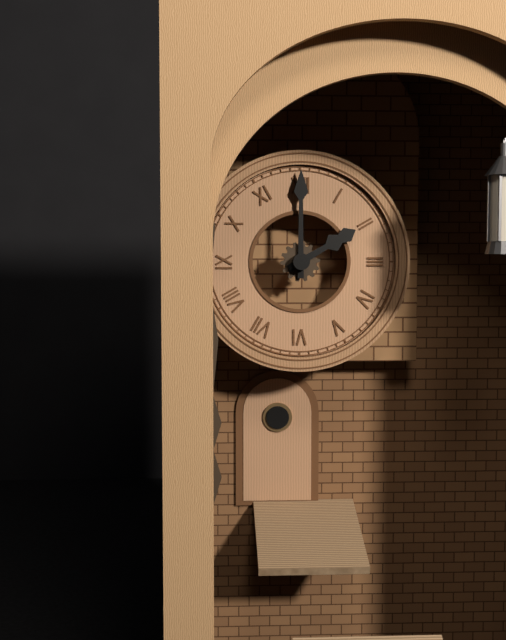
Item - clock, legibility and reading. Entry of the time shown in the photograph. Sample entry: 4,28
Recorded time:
2,00
